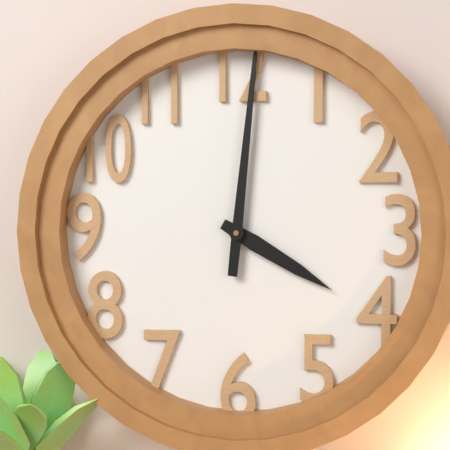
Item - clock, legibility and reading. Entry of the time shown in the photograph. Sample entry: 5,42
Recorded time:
4,01
